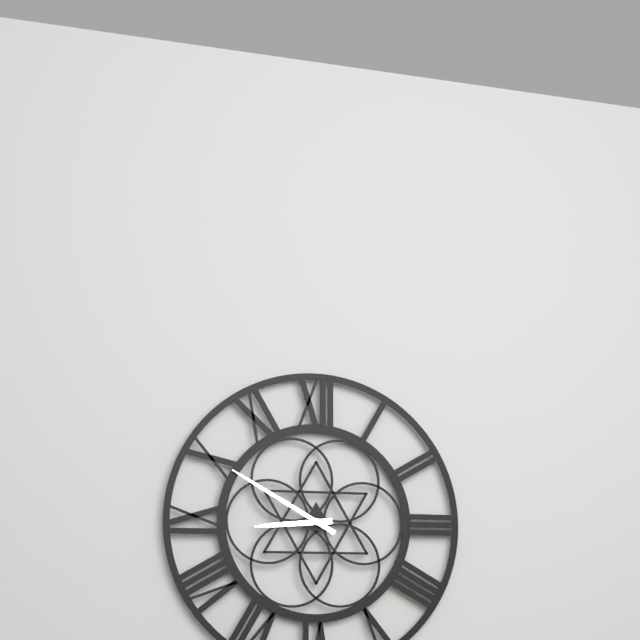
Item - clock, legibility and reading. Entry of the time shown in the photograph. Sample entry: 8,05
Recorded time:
8,50
